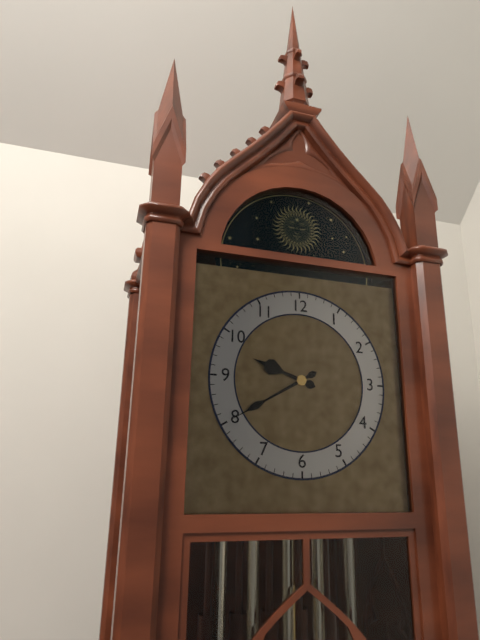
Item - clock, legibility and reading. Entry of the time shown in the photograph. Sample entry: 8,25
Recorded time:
9,40
